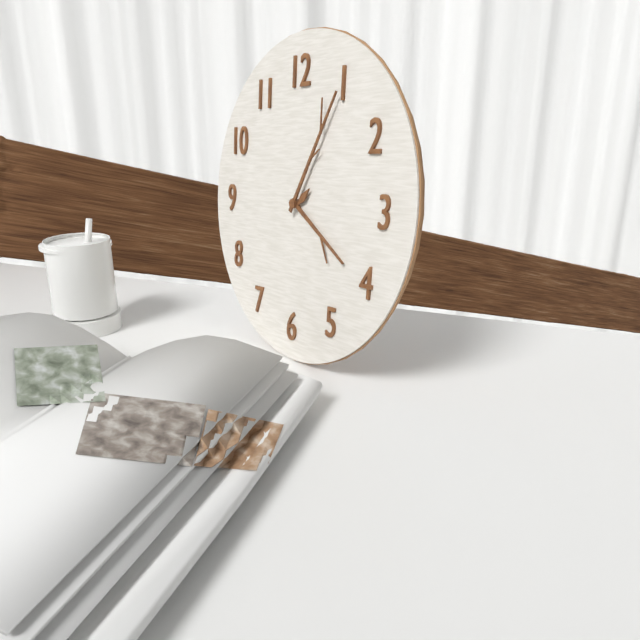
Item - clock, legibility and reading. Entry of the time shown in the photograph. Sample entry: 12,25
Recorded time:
4,05
